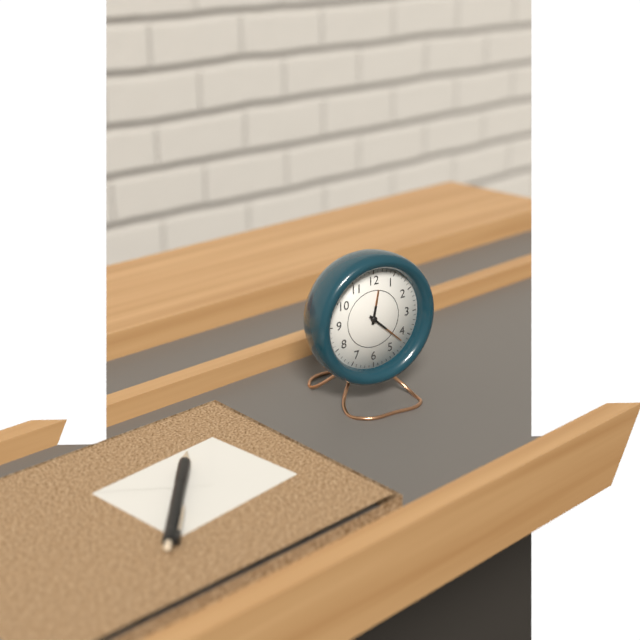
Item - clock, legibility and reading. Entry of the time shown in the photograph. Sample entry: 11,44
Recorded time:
12,22
